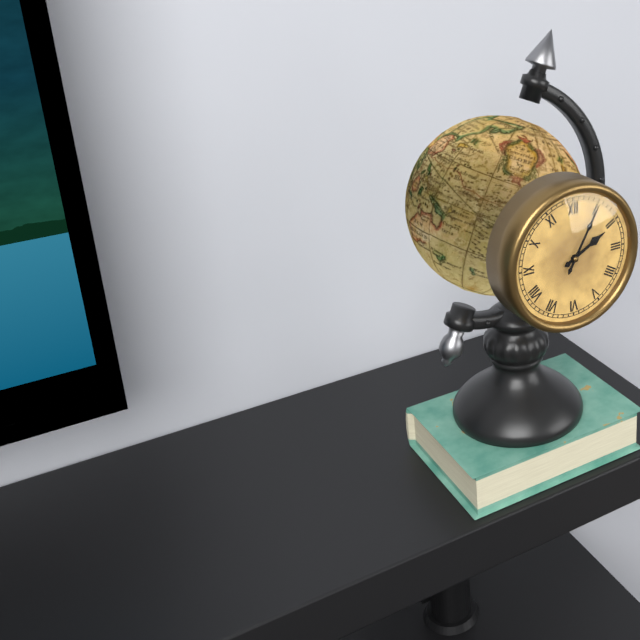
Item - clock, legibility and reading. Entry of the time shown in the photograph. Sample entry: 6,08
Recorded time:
2,05
